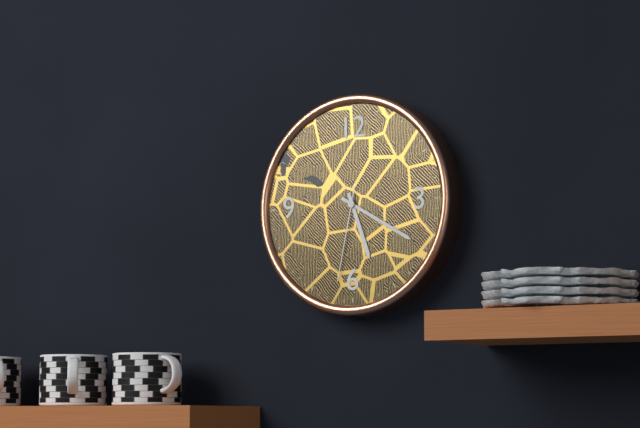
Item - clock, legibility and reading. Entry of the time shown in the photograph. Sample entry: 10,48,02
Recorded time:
5,20,32
